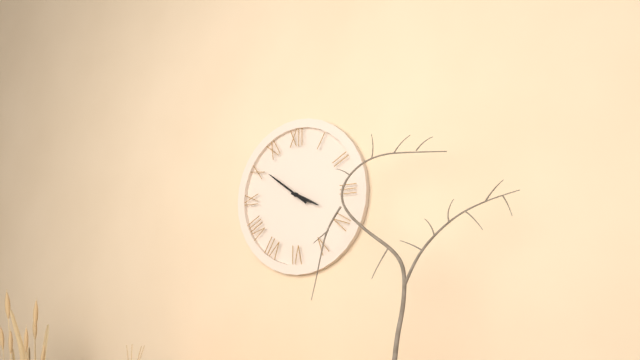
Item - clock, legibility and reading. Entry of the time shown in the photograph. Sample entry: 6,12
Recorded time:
3,51
